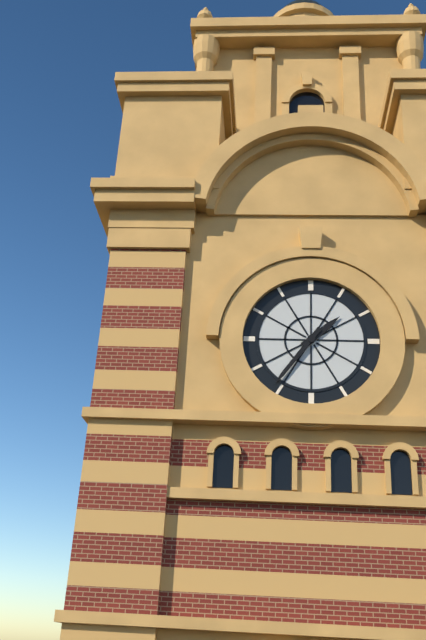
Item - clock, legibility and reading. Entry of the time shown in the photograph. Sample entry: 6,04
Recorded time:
1,36
